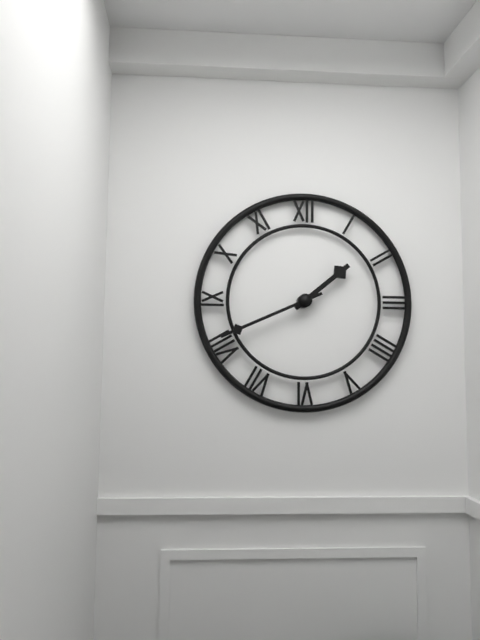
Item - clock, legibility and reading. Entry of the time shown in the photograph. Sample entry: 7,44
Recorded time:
1,41
